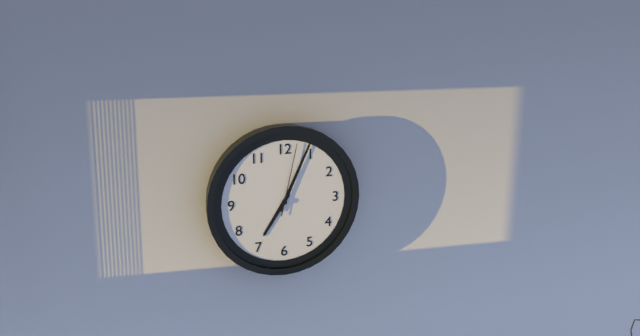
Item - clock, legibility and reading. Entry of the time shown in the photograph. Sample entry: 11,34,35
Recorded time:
7,04,02
